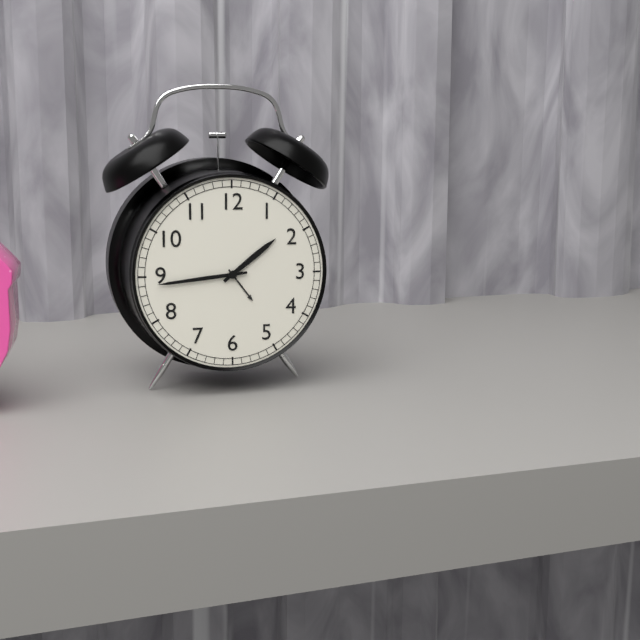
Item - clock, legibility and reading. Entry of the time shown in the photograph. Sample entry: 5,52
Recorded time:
1,44
